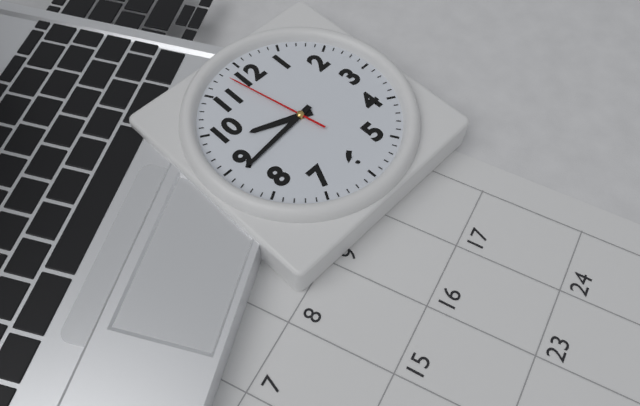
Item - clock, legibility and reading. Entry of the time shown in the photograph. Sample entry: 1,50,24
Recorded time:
9,44,58
